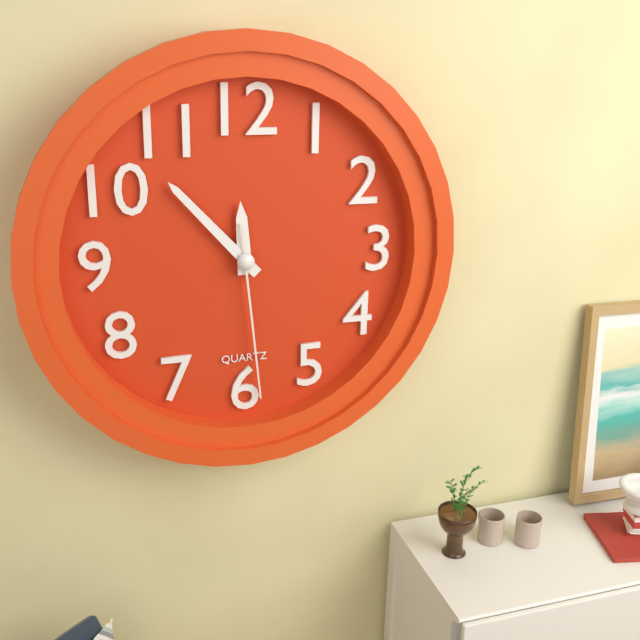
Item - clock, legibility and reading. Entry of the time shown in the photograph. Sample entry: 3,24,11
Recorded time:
11,53,29
